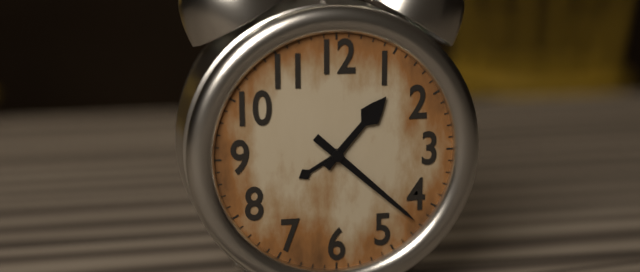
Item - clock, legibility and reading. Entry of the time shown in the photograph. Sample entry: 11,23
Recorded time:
1,22
